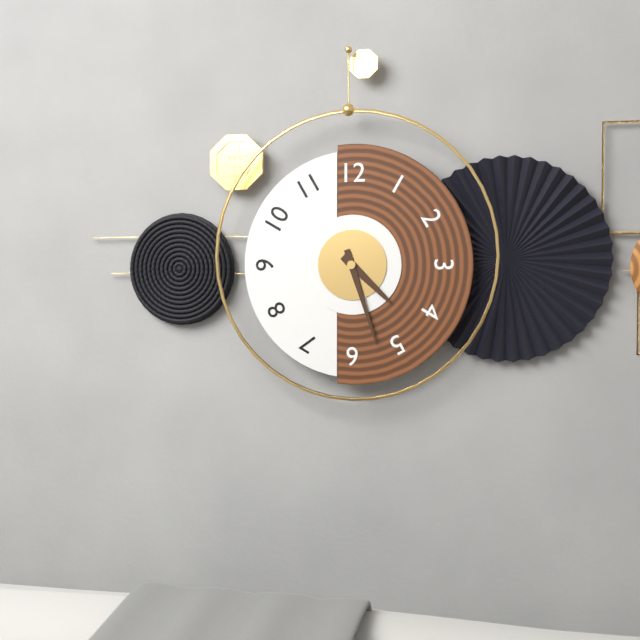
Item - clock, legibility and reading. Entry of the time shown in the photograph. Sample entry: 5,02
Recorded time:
4,27
